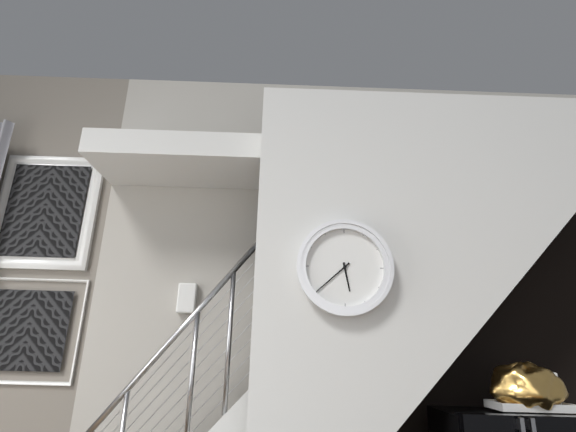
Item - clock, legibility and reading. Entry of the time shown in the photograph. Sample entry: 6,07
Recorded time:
5,38
